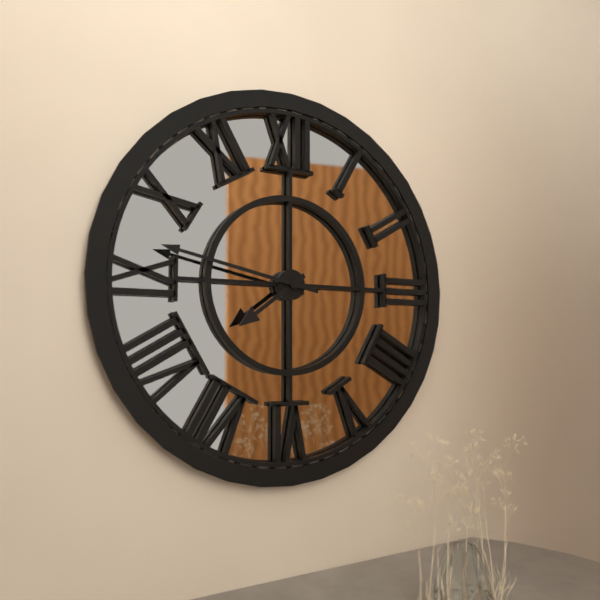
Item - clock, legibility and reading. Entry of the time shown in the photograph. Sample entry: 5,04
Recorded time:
7,47
